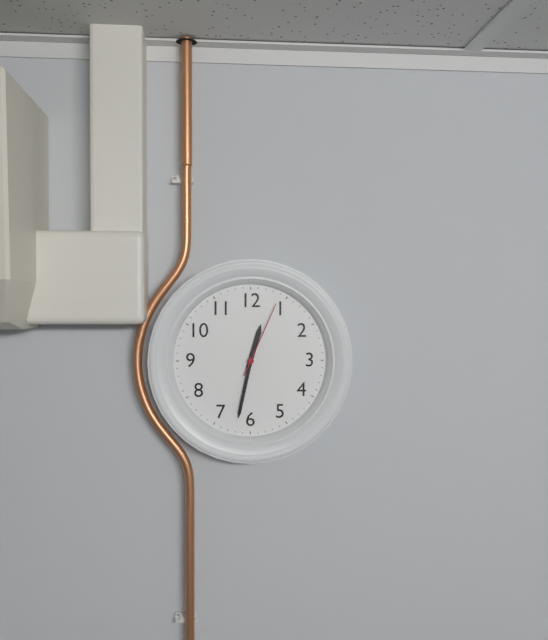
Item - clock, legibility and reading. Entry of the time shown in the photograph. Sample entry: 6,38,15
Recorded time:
12,32,04
